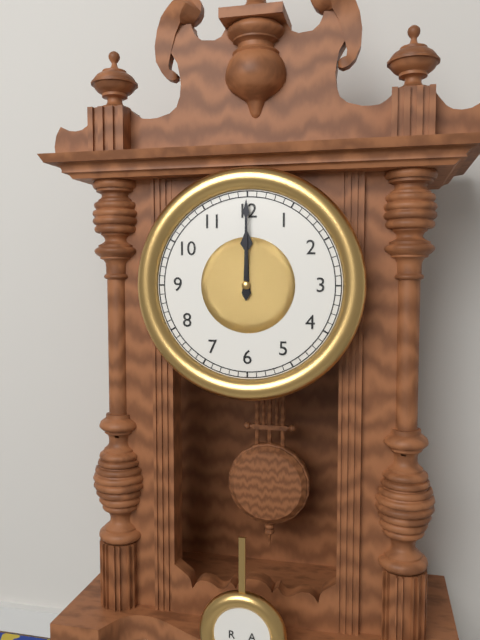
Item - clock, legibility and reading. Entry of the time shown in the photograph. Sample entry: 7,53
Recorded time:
12,00
